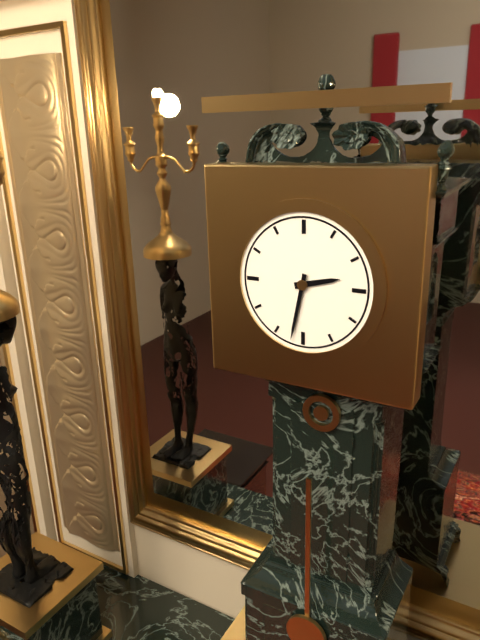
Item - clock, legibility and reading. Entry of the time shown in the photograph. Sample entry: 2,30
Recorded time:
2,32
